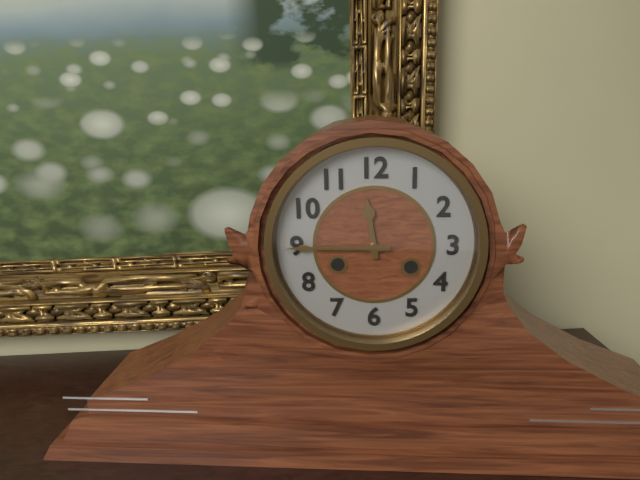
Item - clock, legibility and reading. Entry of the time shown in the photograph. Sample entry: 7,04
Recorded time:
11,45
